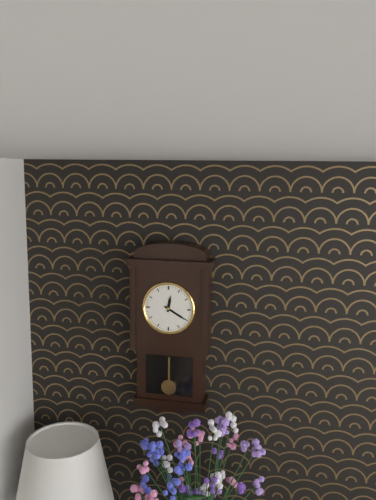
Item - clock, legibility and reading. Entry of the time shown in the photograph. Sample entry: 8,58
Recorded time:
12,20
